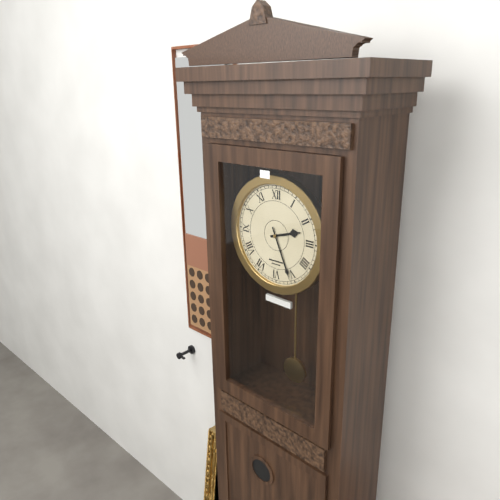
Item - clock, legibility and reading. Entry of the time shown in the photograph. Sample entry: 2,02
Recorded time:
2,26
